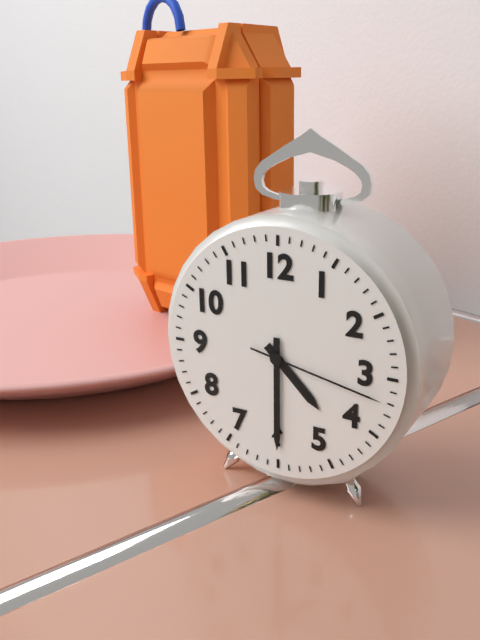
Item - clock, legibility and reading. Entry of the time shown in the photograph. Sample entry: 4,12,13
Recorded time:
4,30,17
